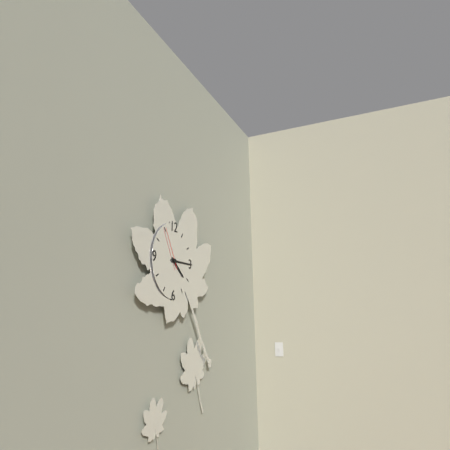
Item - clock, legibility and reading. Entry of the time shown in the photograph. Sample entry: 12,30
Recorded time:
4,15
